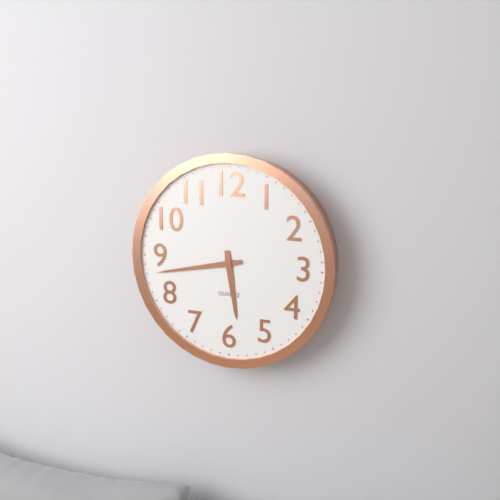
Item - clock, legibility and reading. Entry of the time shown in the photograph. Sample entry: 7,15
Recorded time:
5,43
